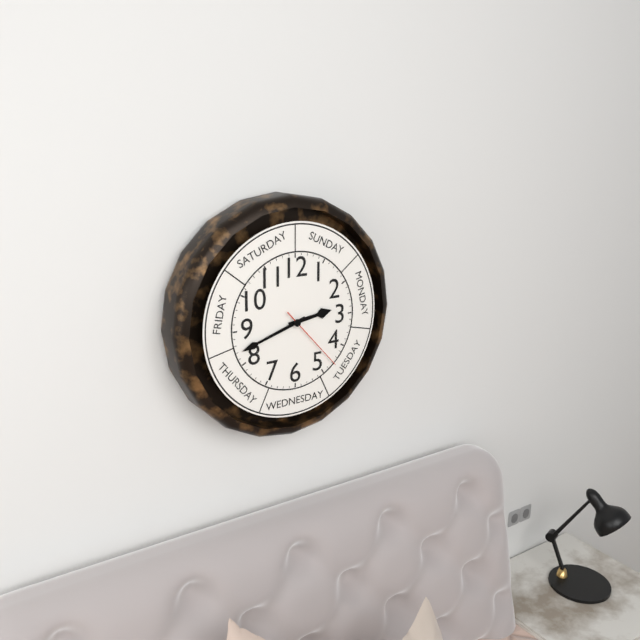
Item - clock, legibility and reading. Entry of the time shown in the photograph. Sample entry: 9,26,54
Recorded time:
2,42,23
